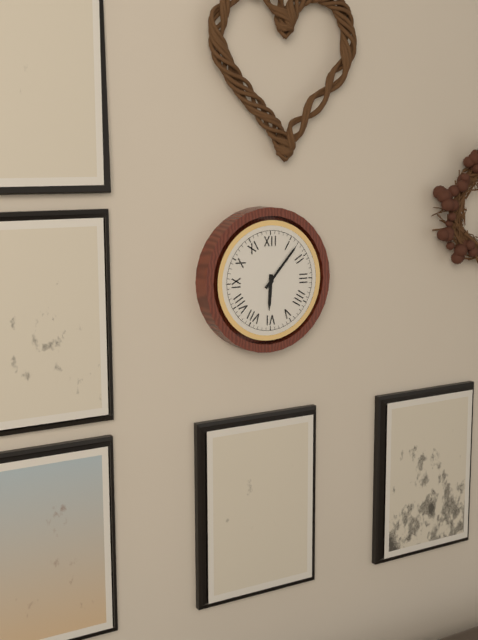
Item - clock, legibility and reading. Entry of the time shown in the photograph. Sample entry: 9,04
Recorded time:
6,07
